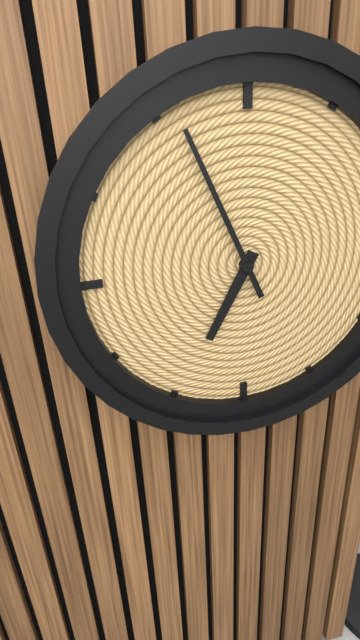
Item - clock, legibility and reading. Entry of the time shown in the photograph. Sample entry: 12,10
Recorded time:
6,56
